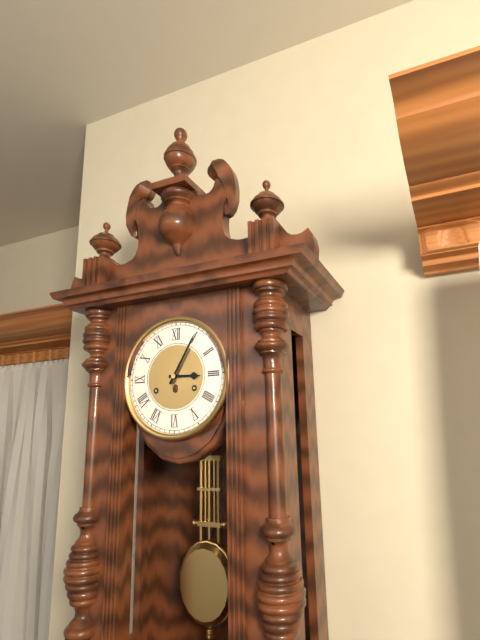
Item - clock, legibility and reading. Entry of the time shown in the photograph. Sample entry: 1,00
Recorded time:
3,05
